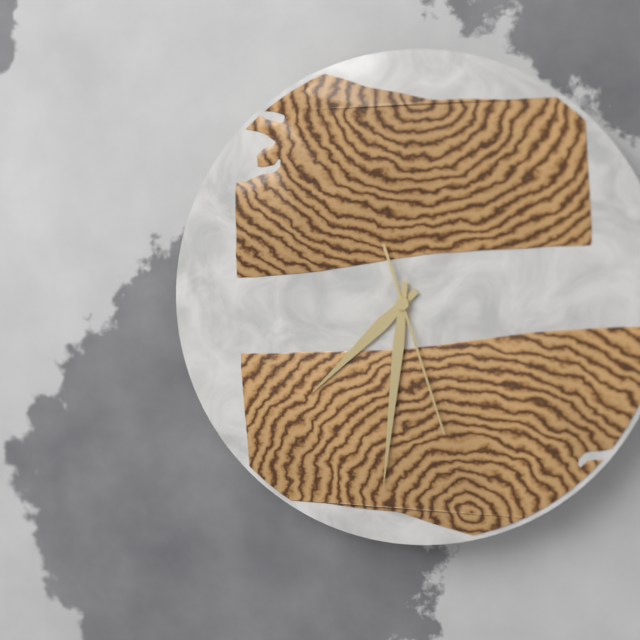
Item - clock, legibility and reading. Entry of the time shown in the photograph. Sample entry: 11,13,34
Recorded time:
7,31,27
